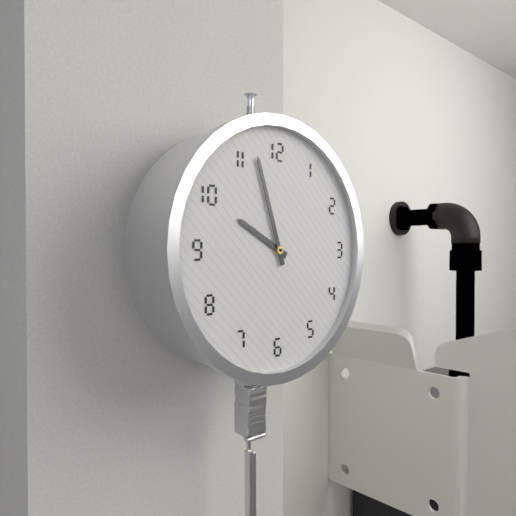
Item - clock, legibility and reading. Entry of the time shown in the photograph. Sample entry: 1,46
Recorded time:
9,57
